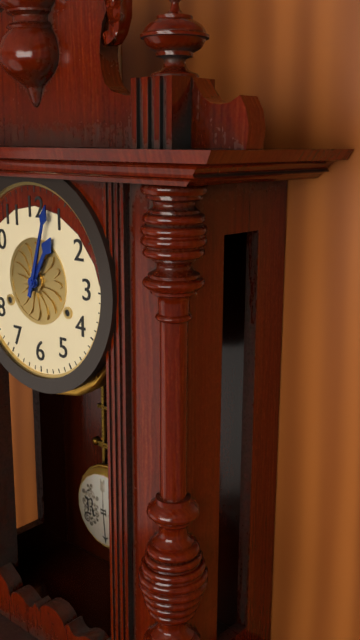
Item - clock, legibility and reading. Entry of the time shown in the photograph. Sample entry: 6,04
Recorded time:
1,03
